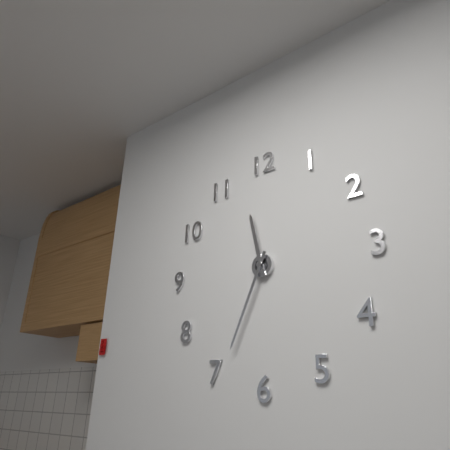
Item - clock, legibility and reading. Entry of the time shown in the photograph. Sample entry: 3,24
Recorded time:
11,34
